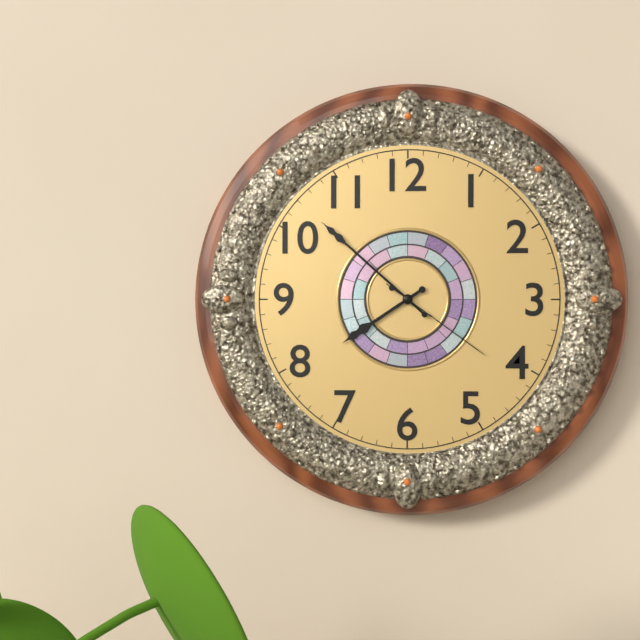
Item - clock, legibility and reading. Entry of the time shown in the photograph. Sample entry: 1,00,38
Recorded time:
7,52,21
